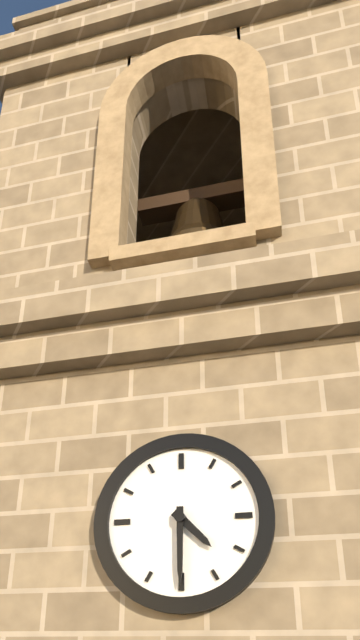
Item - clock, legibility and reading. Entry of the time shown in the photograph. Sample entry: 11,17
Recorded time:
4,30
